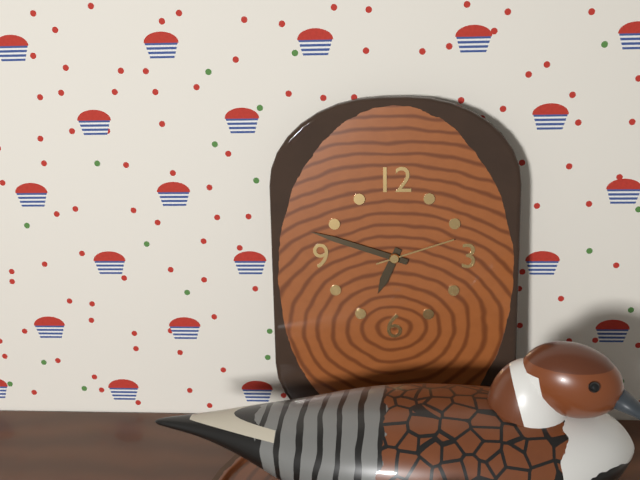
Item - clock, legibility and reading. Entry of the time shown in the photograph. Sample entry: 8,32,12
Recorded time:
6,48,12
